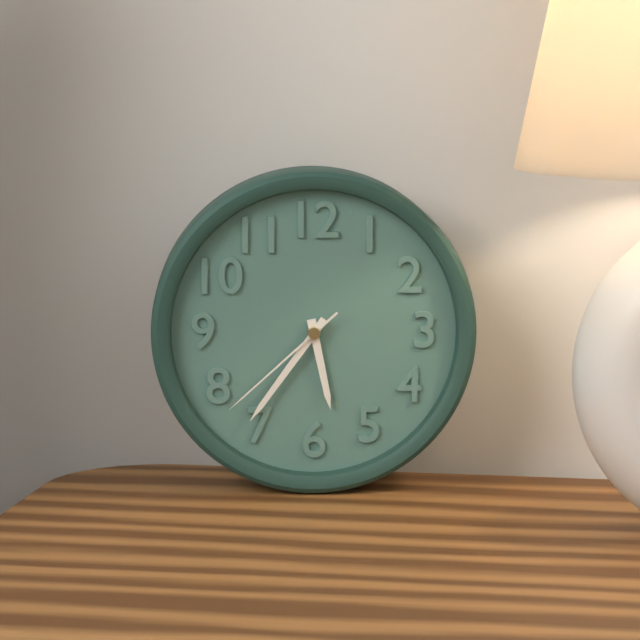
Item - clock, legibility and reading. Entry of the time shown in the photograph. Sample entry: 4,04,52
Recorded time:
5,36,38
